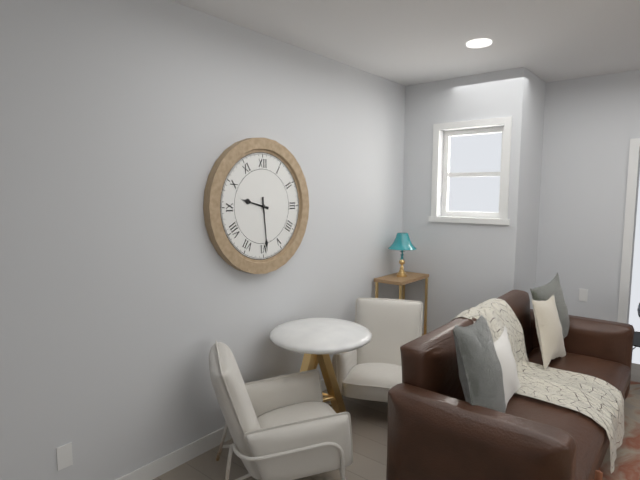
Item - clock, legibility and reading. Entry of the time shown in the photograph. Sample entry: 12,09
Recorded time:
9,29
